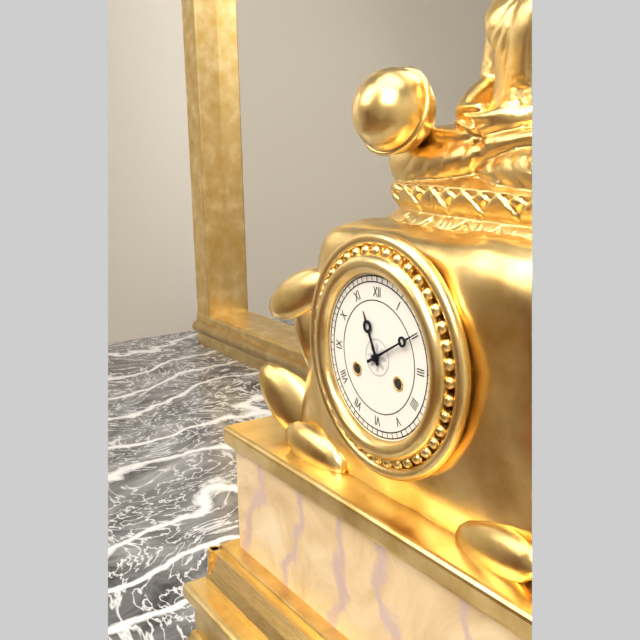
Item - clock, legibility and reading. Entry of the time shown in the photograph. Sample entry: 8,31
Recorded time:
11,10
